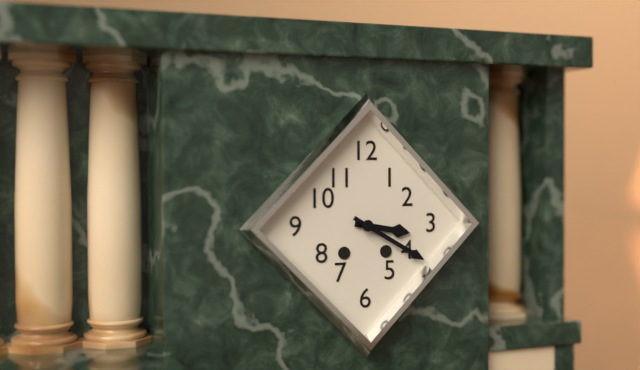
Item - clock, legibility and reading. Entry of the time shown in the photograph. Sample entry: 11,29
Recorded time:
3,20
